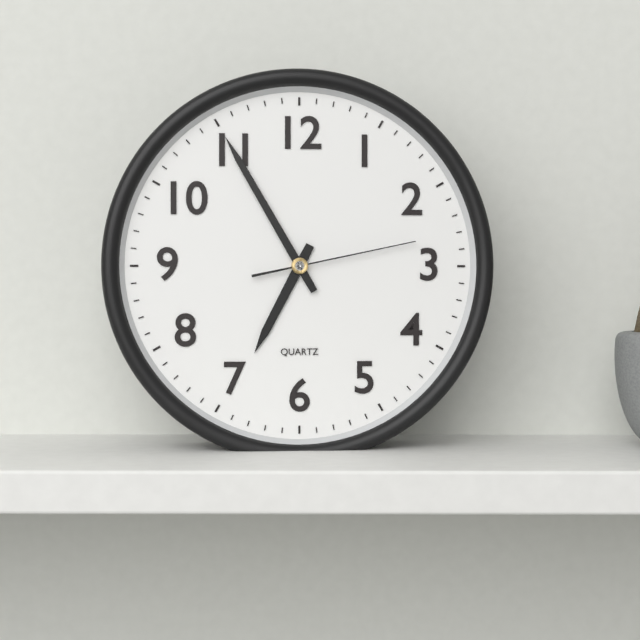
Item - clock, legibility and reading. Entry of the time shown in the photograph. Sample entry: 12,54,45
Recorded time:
6,55,13
